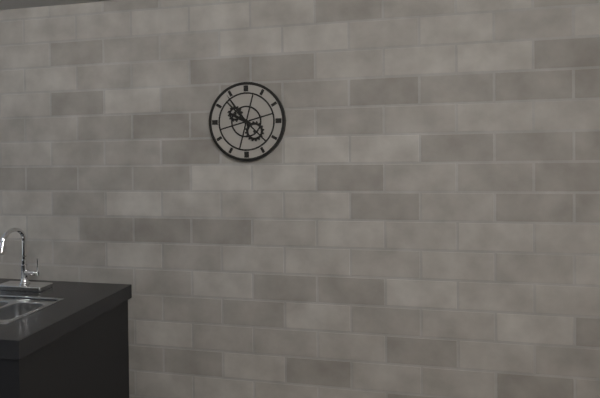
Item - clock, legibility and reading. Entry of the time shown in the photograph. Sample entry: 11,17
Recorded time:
9,54
